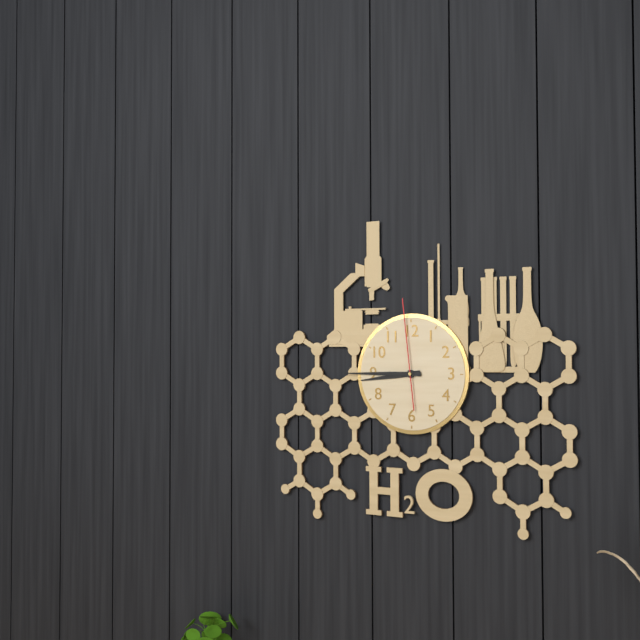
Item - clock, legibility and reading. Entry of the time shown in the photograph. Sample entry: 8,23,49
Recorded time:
8,45,59
